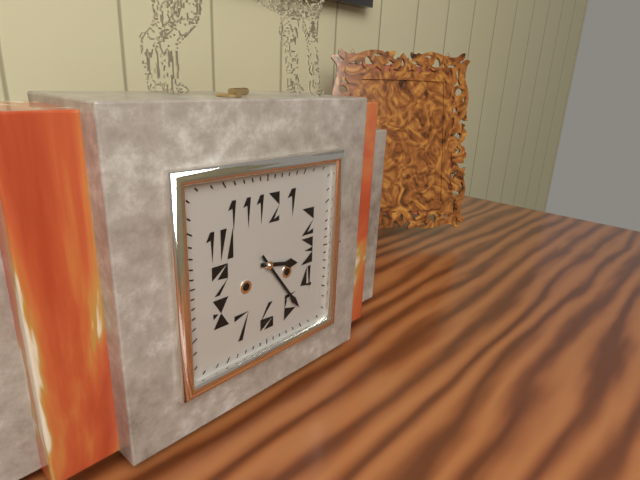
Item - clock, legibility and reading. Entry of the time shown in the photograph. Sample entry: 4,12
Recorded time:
3,24
